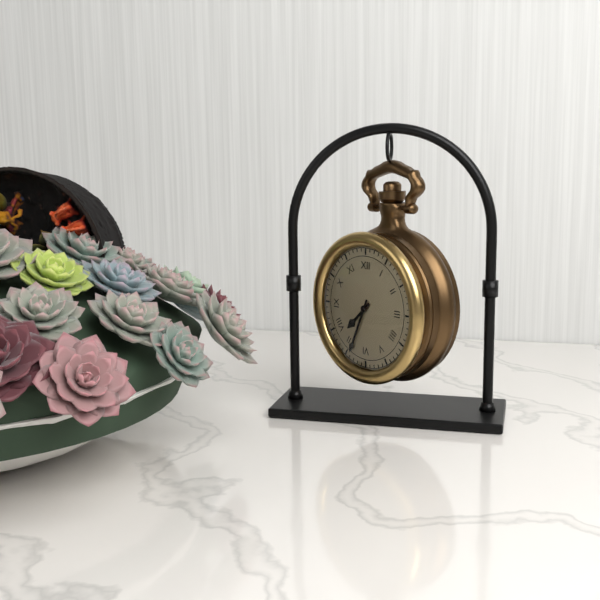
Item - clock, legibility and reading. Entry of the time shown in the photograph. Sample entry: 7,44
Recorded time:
7,34
